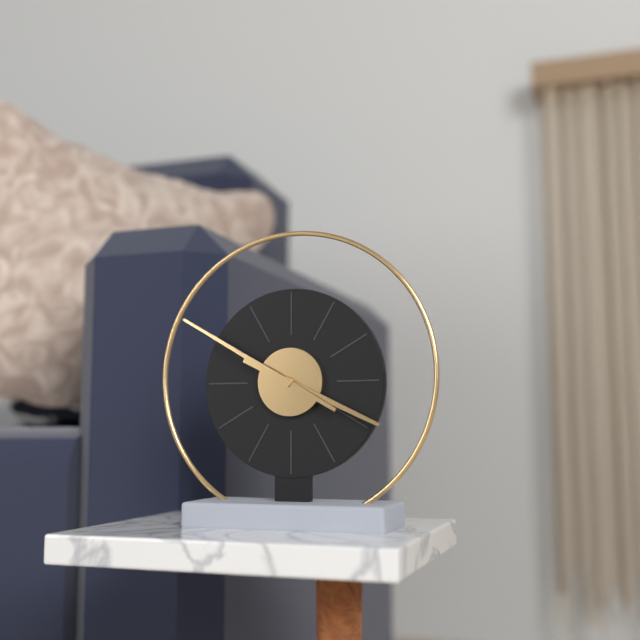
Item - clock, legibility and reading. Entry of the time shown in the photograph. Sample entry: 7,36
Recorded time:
3,50
